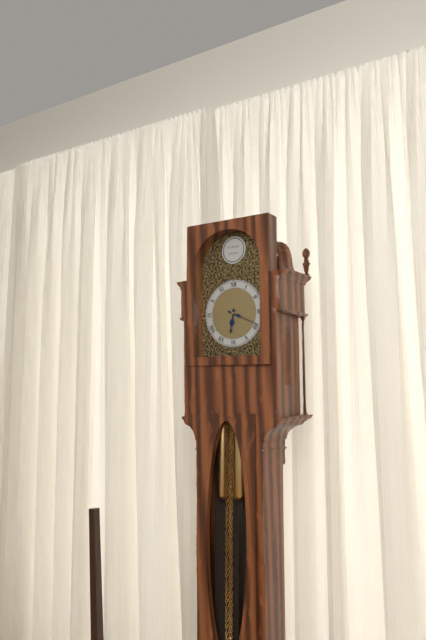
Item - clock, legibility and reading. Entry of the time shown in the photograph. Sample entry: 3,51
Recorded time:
6,19
